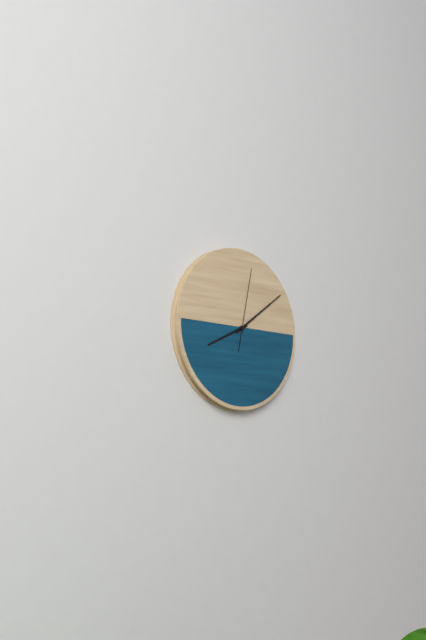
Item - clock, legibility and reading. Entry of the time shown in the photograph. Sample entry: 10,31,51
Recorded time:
8,09,02
